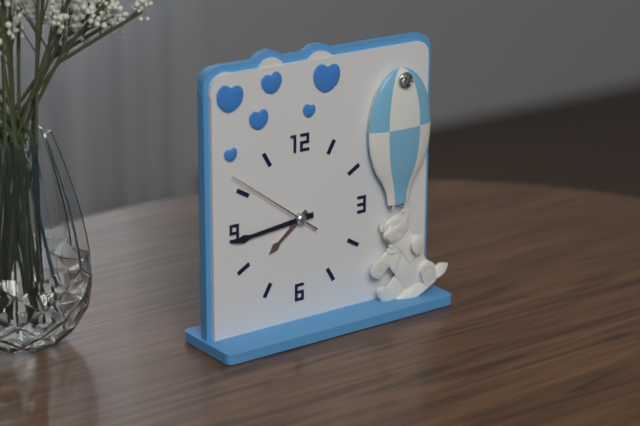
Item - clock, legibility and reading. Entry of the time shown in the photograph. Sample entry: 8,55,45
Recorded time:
7,44,51
